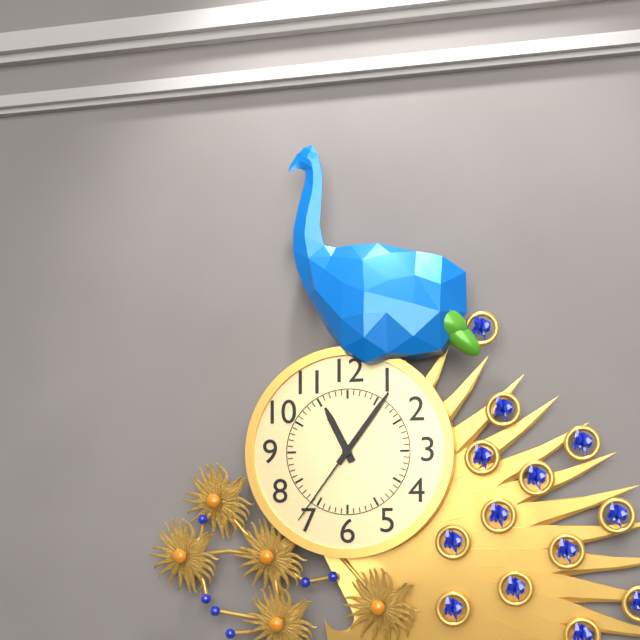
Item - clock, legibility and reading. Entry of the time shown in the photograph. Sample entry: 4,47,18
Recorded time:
11,06,36
